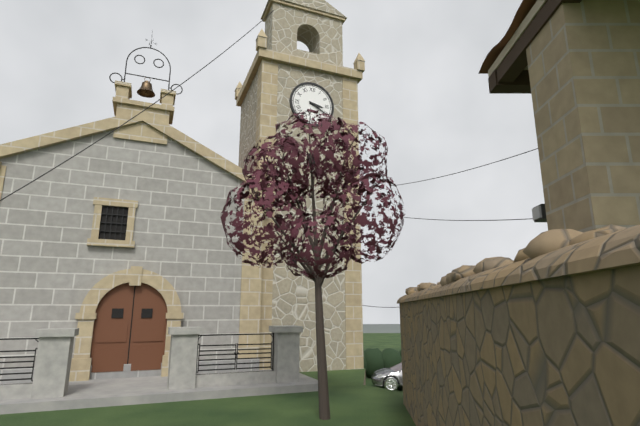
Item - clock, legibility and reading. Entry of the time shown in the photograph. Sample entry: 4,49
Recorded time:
3,20
